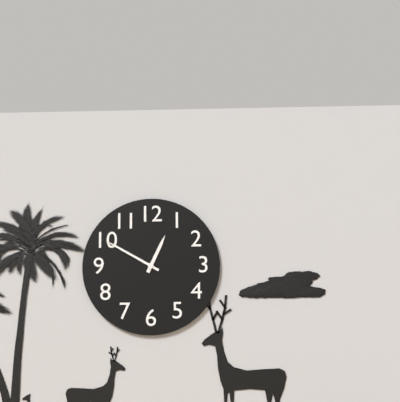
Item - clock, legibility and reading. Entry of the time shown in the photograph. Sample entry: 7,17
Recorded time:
12,50
